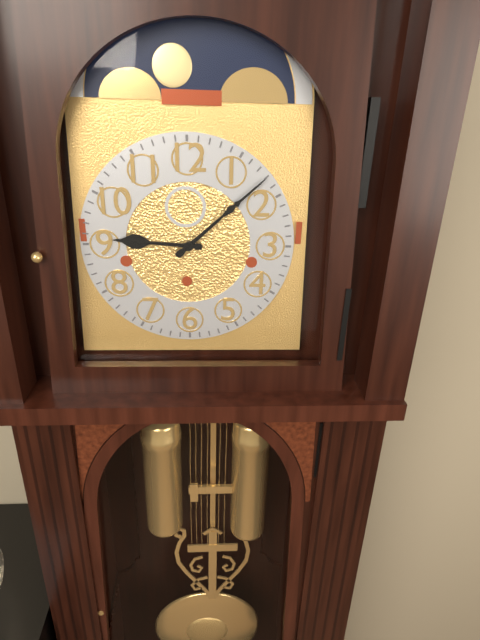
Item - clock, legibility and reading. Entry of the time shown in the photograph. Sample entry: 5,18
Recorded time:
9,08
